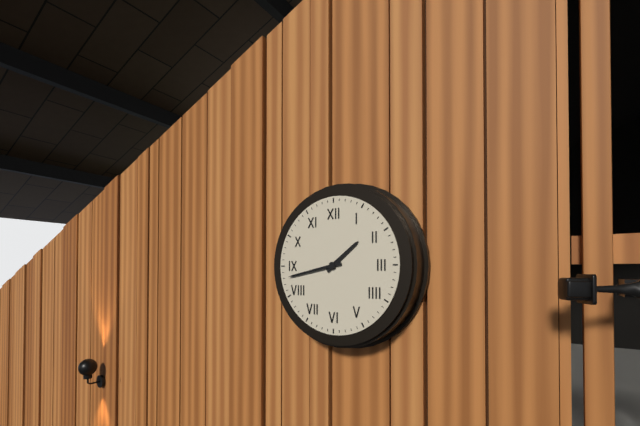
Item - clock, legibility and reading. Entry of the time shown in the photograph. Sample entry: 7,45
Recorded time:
1,43
